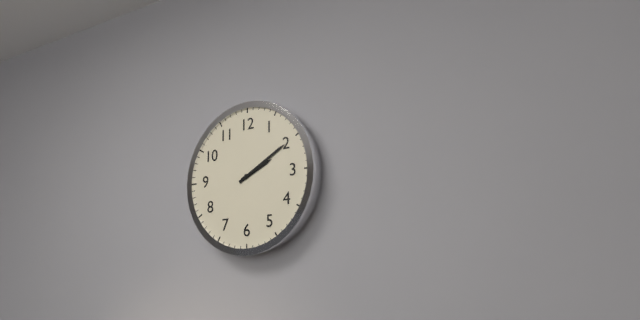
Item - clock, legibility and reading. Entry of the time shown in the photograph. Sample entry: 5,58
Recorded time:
2,10
